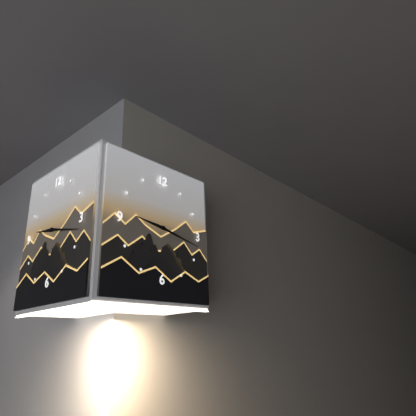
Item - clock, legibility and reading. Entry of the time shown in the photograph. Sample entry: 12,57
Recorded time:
9,17
